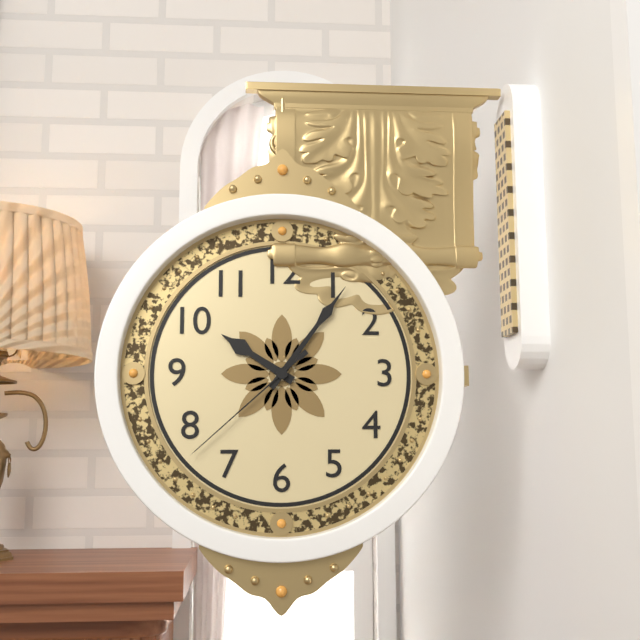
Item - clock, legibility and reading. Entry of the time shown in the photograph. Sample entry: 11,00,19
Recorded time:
10,06,38
